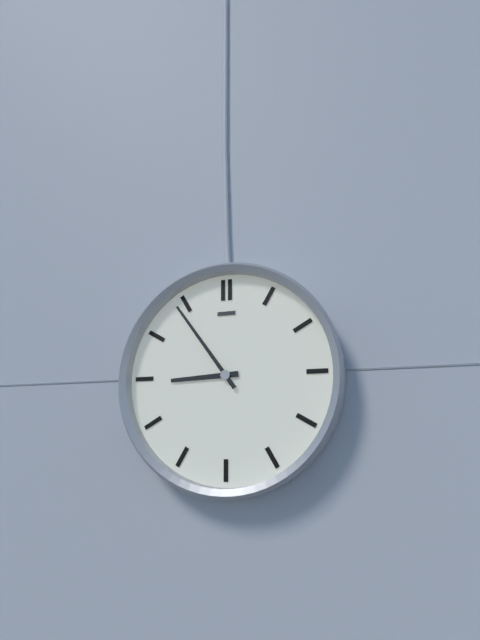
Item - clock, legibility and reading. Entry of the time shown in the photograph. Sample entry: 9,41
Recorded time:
8,54
